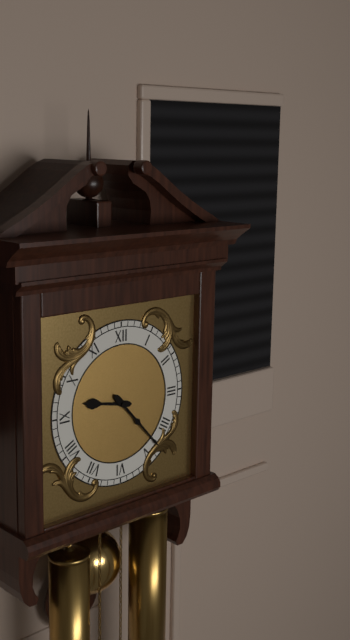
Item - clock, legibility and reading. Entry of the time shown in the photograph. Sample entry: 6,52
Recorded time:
9,23
